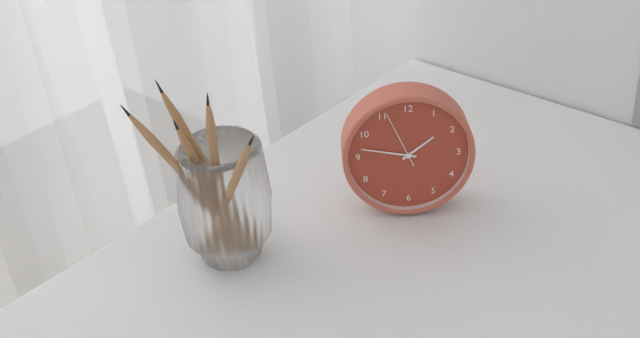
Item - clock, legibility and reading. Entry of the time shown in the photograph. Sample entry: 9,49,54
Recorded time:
1,47,56
